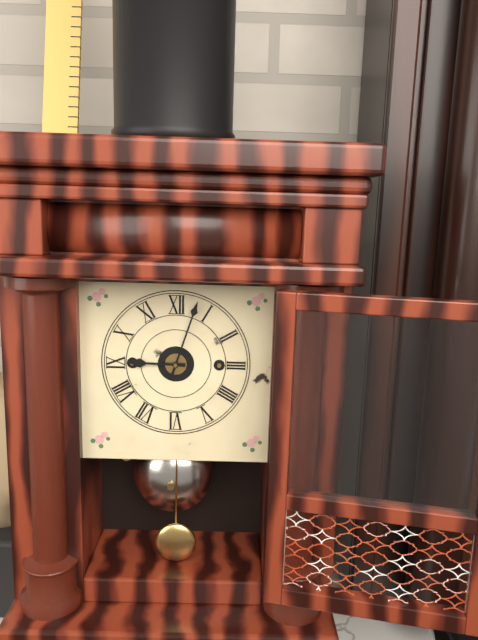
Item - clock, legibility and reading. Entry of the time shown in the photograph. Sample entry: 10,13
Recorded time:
9,03
